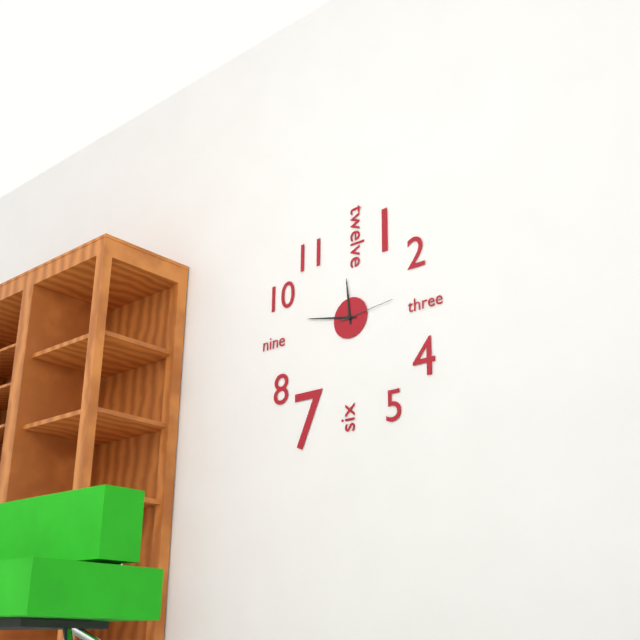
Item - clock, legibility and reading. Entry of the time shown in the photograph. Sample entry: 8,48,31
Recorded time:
11,47,14
